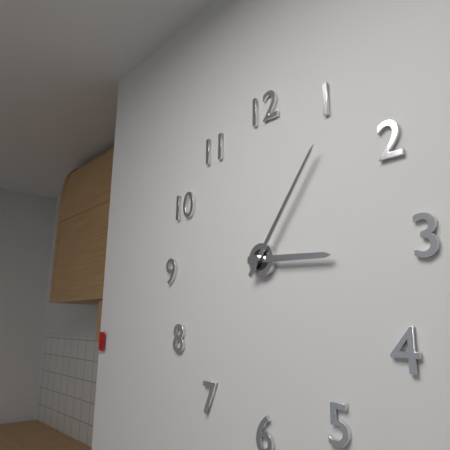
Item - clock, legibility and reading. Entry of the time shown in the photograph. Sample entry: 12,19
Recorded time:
3,06
